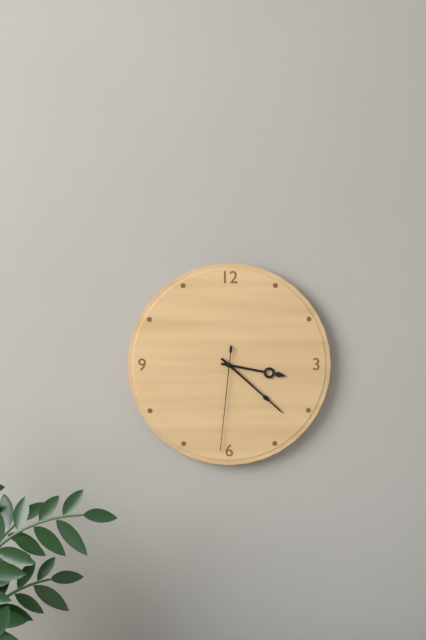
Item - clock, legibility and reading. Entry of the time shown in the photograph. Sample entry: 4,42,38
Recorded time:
3,22,31
